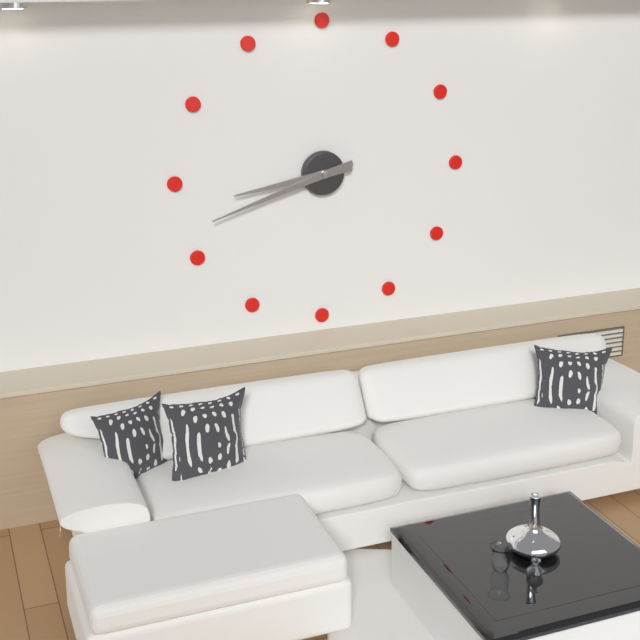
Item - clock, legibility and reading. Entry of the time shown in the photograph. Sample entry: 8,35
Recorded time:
8,42
